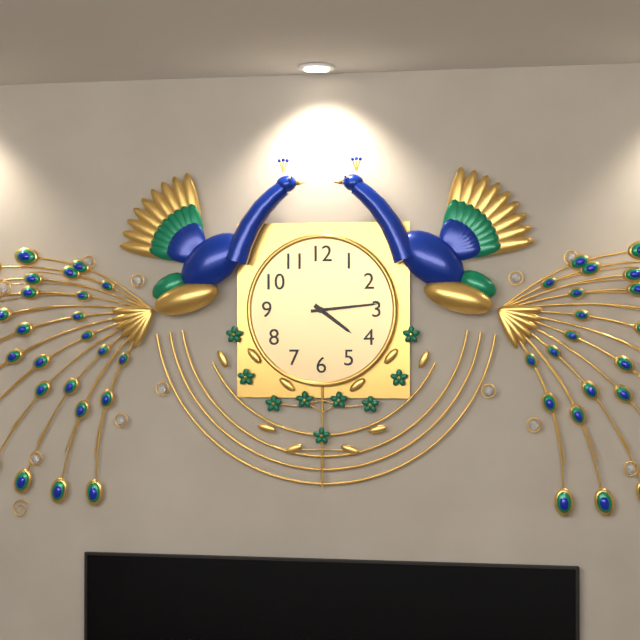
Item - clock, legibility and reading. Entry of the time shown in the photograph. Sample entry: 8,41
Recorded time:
4,14
